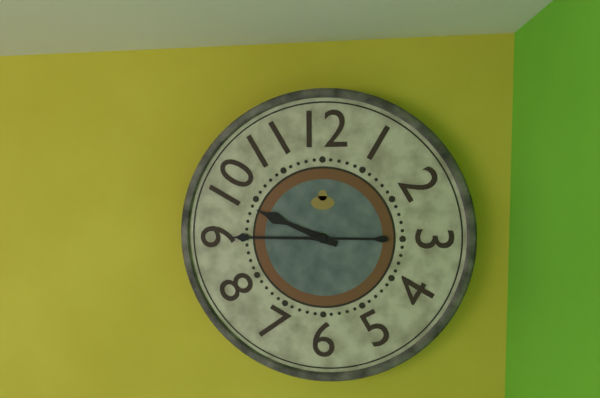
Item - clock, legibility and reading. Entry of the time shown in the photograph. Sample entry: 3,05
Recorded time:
9,45
